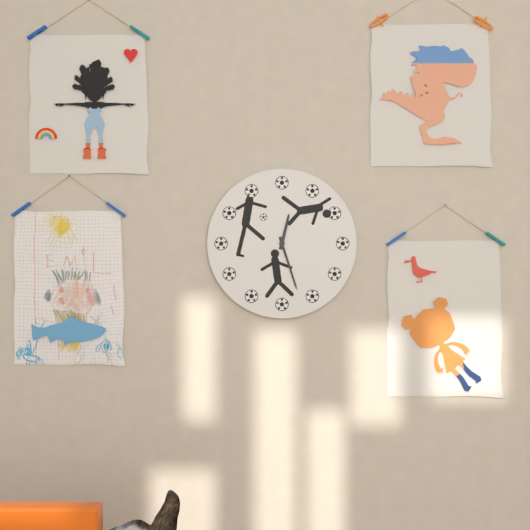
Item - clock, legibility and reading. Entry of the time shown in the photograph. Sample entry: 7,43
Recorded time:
12,27
